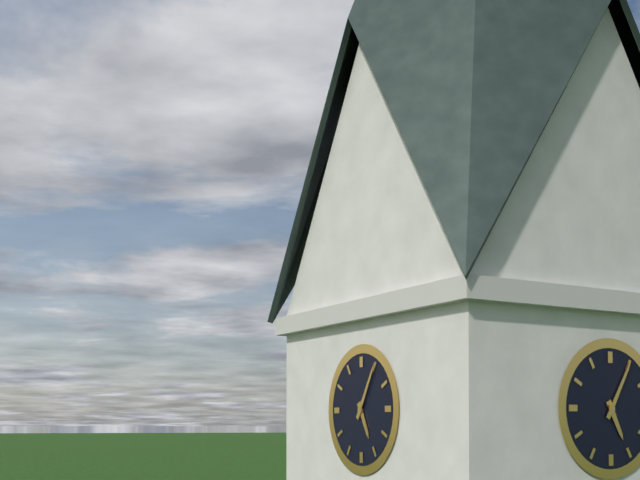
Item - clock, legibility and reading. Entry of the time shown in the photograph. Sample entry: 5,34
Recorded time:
5,05
